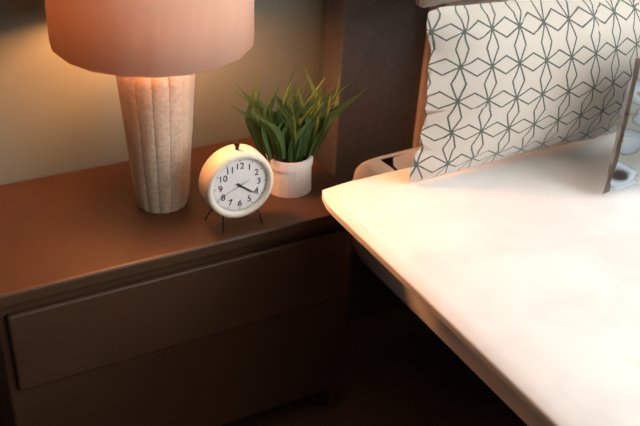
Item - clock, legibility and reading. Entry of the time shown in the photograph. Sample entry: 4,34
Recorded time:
4,21
